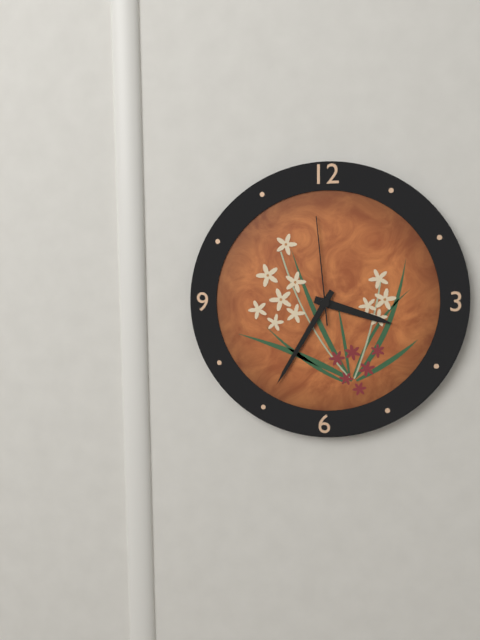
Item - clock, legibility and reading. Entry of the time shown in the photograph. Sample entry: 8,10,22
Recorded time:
3,35,59
